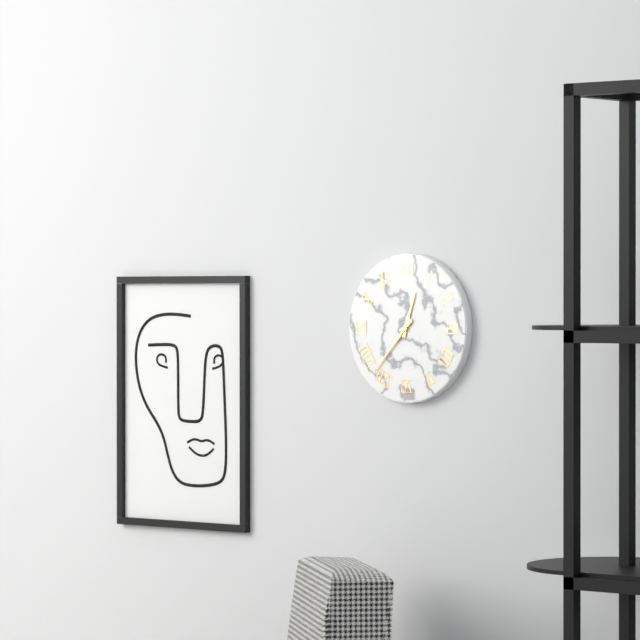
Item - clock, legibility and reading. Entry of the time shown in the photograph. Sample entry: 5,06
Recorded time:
12,37
